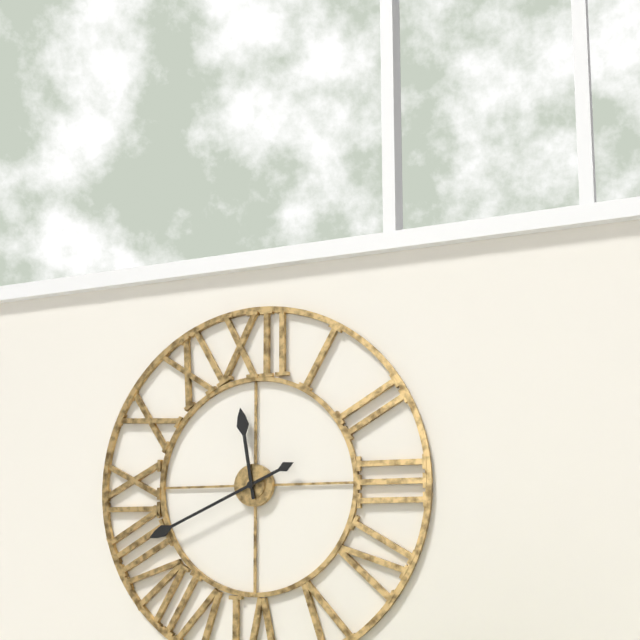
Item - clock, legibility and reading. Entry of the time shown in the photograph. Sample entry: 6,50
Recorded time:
11,41
